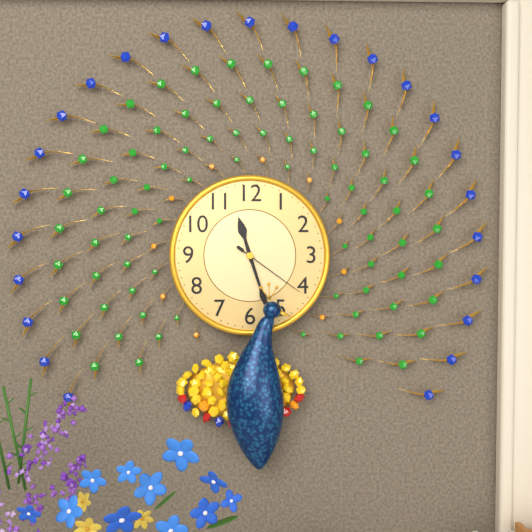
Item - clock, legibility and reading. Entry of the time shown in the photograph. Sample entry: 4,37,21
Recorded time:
11,27,21
